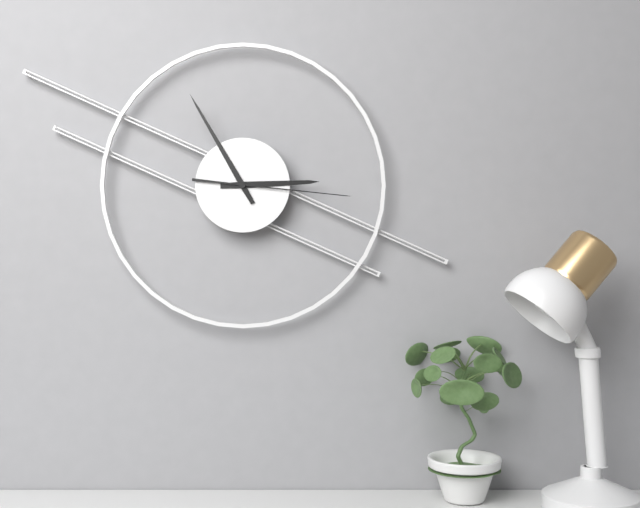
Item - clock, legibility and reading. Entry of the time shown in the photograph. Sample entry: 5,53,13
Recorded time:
2,55,16
